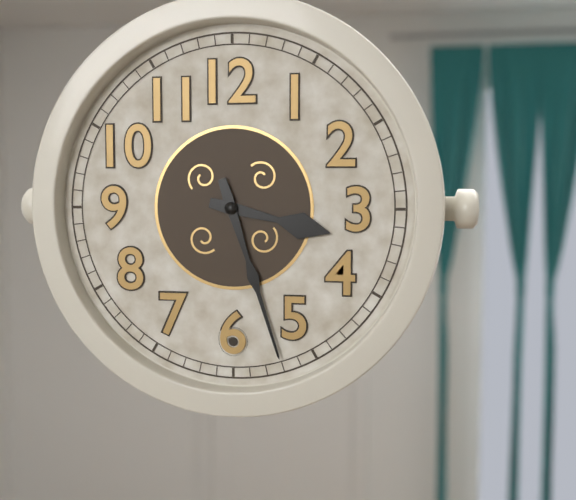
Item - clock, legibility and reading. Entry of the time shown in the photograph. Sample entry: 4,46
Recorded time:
3,27
